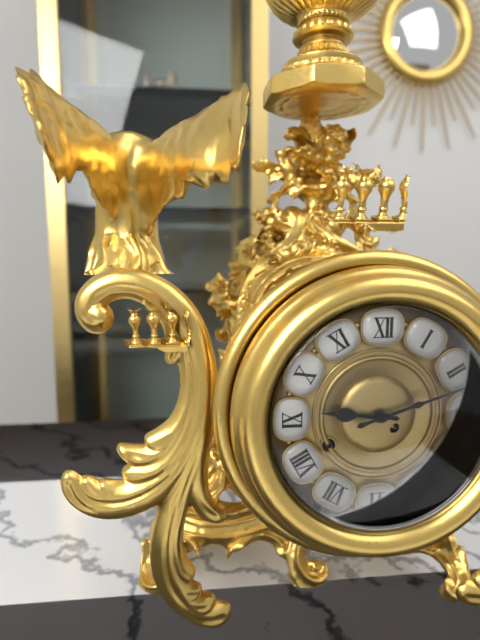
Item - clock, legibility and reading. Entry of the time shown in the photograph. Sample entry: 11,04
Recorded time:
9,12
